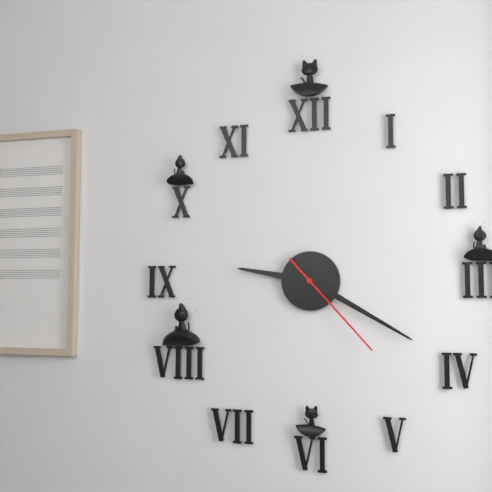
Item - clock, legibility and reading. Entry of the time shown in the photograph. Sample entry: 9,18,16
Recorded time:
9,20,23
